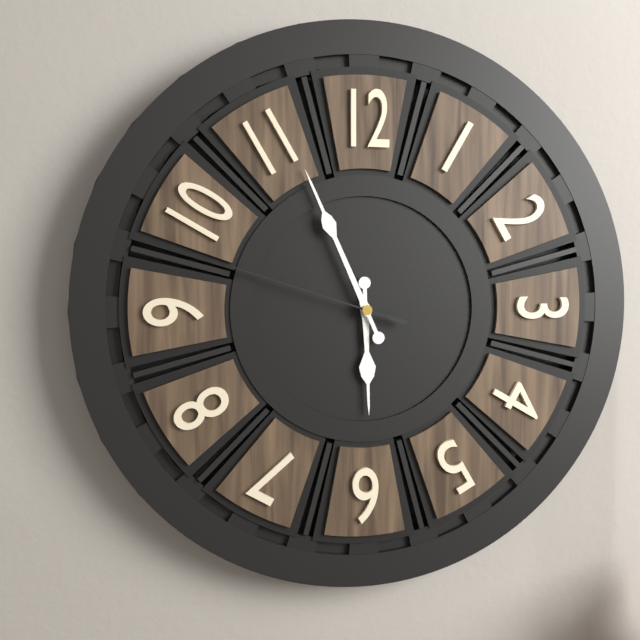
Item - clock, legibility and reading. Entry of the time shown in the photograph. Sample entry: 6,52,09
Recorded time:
5,56,48
